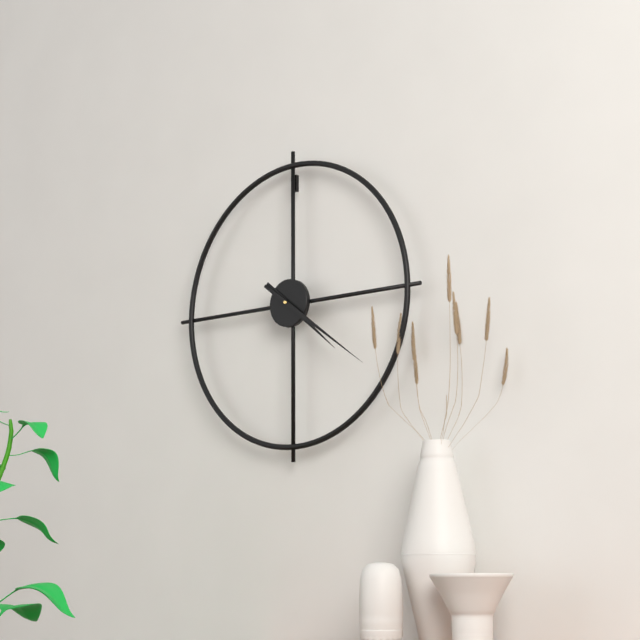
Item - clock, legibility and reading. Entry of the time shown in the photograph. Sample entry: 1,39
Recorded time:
4,21
